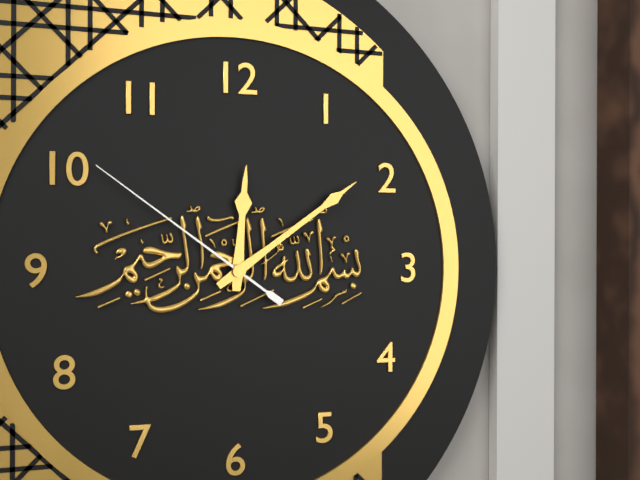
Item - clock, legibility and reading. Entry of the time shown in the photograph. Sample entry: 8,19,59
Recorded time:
12,09,51
